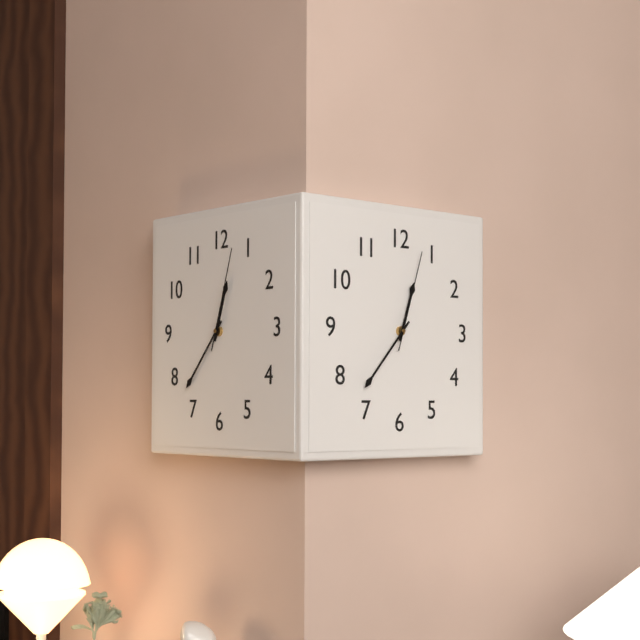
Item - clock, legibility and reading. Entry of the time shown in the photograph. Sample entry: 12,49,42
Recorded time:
12,37,03
